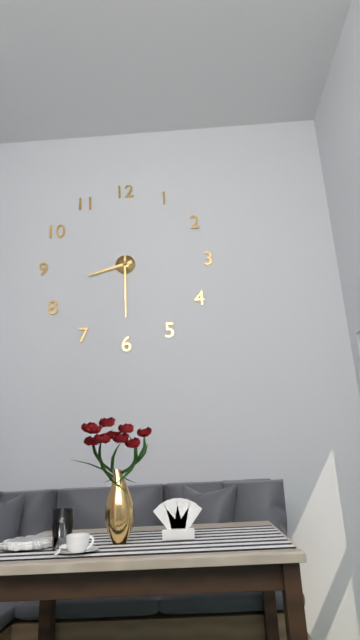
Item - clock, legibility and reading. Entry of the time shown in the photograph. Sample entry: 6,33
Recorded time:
8,30
